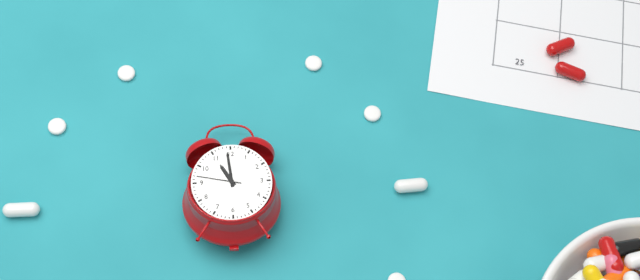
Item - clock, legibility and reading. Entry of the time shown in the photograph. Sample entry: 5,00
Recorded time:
10,59
